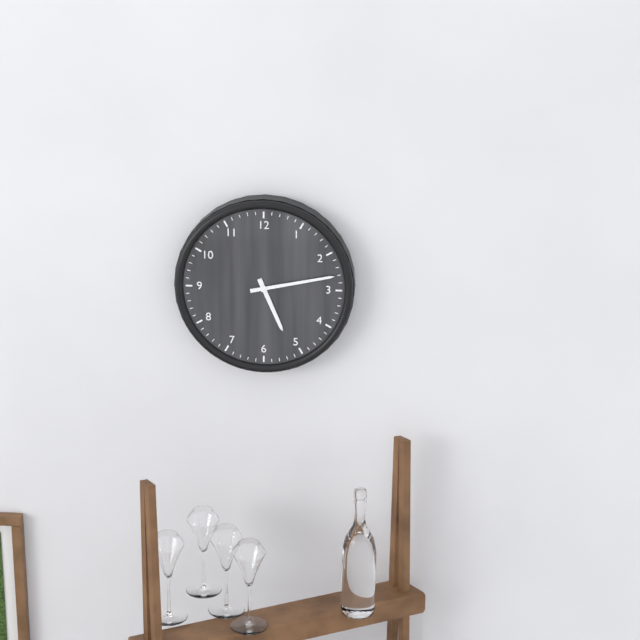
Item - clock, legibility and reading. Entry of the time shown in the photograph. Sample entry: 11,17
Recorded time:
5,13
